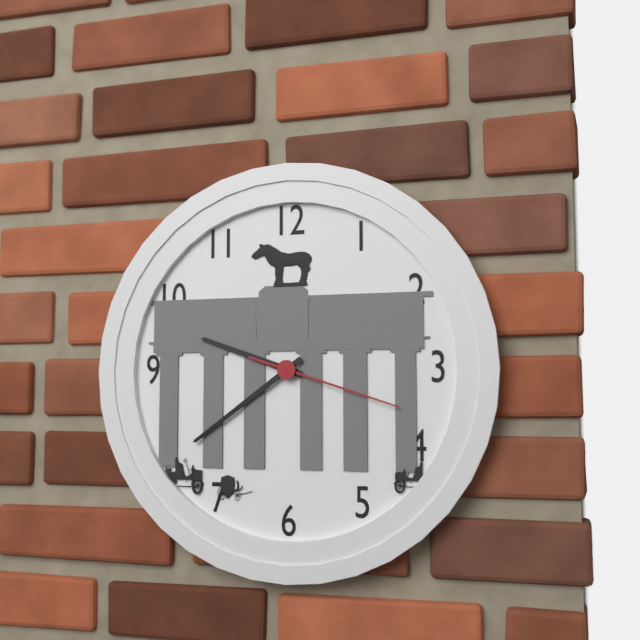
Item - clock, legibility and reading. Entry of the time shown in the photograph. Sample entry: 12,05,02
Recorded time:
9,39,18
